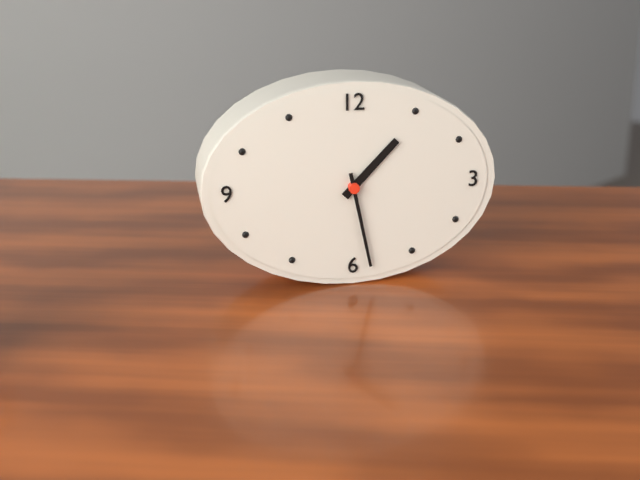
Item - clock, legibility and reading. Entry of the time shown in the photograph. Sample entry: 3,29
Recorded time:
1,28
